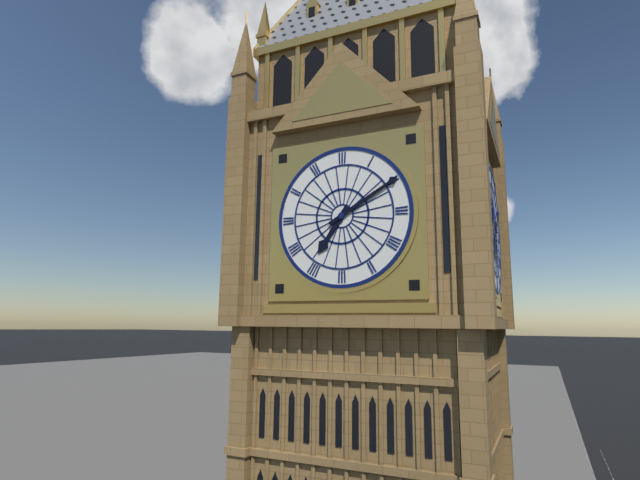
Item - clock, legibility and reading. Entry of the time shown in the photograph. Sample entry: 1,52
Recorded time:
7,10
